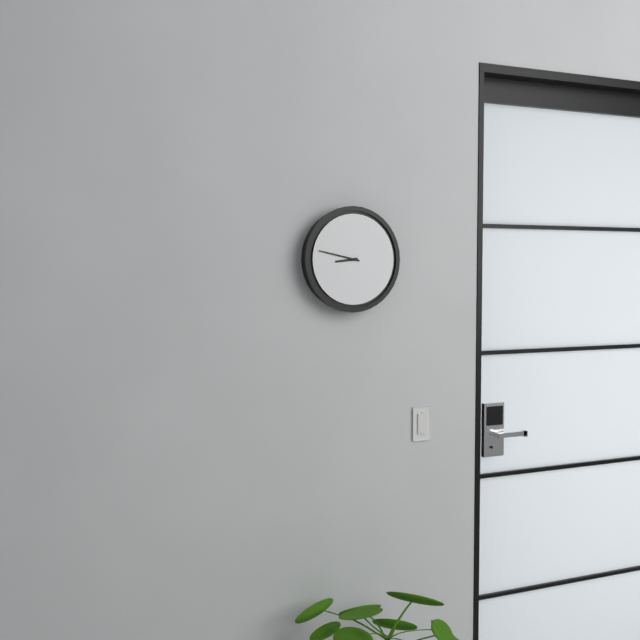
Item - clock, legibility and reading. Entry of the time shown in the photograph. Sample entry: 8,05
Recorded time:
8,47
